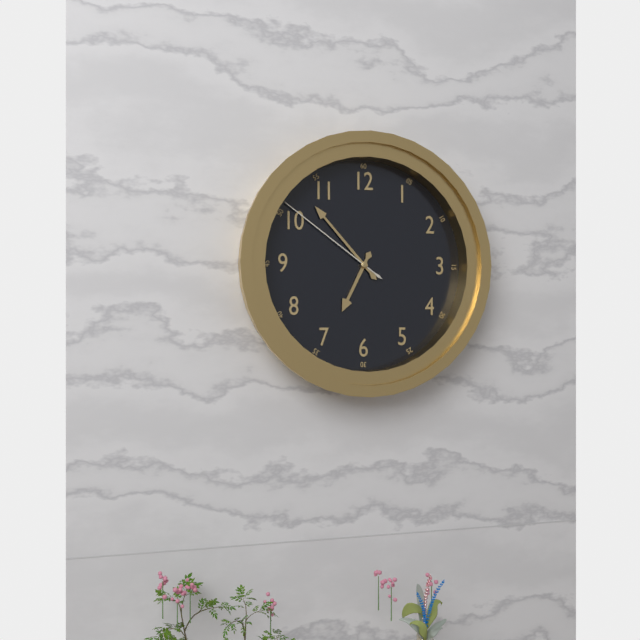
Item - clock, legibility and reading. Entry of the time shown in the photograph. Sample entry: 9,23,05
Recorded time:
6,53,51
